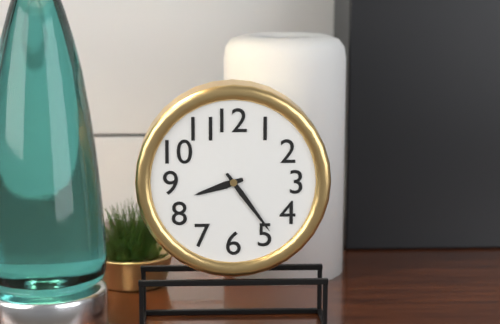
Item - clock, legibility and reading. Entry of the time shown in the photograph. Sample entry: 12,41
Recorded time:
8,24
